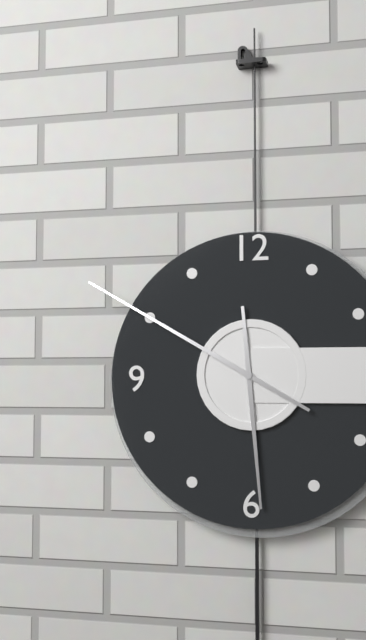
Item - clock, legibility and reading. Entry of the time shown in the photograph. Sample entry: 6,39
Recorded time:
5,50
